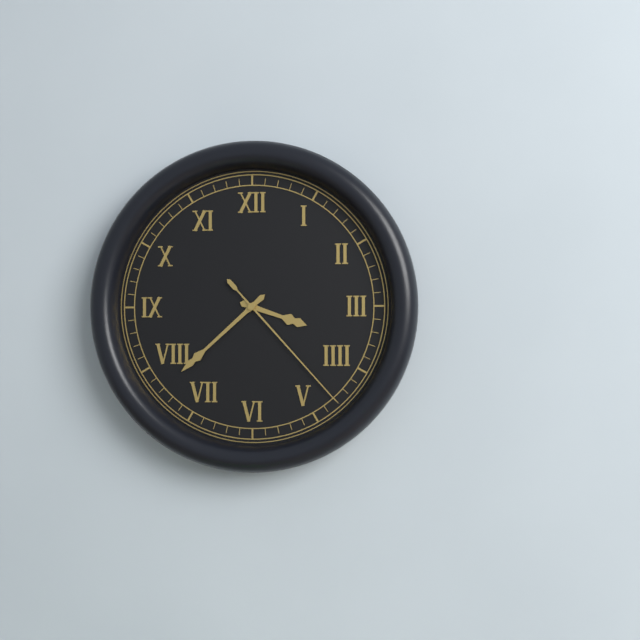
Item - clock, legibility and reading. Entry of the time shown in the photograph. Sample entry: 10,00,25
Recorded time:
3,38,23
